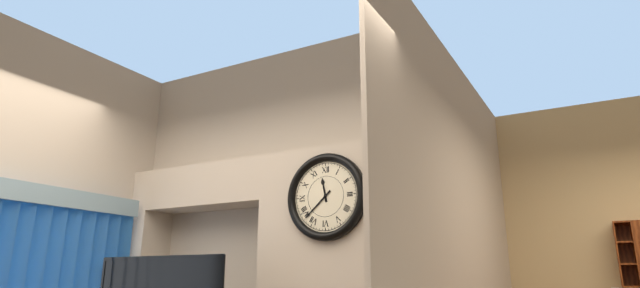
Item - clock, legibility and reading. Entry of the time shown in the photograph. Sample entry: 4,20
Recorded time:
11,38
